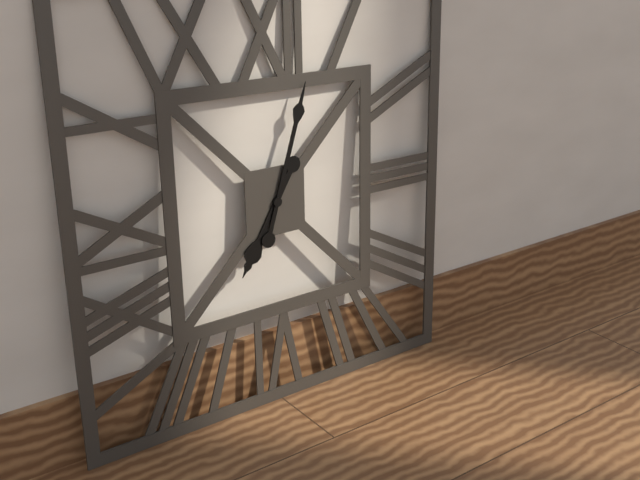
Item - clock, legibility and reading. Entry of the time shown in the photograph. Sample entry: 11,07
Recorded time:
7,03
